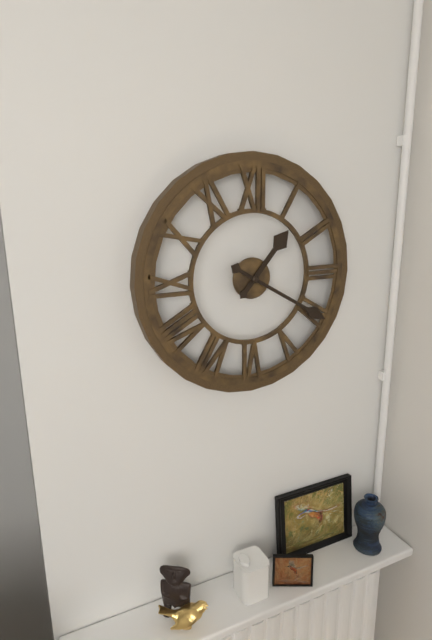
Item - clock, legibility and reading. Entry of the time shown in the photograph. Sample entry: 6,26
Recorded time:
1,20
